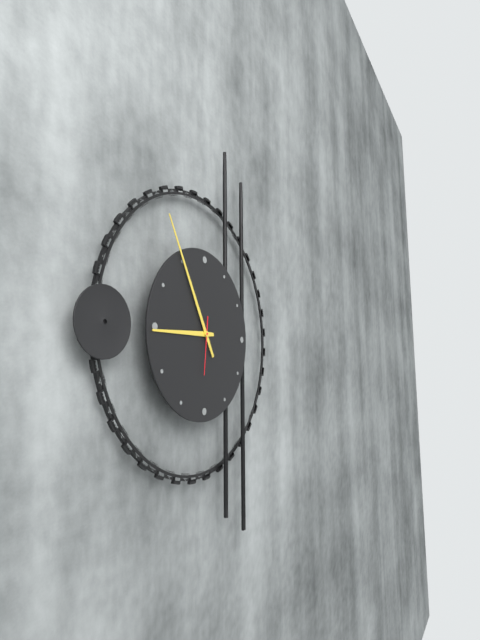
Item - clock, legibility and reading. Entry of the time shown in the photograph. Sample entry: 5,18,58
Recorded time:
8,55,31
